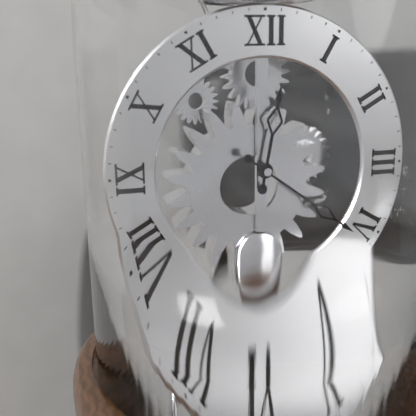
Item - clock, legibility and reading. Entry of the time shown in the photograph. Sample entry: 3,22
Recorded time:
12,21
